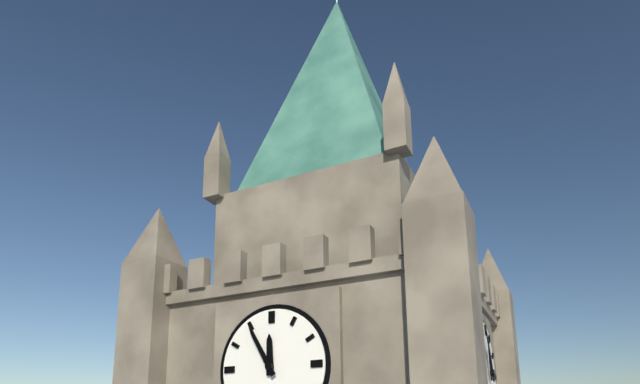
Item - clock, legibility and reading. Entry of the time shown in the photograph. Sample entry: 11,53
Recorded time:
11,55
